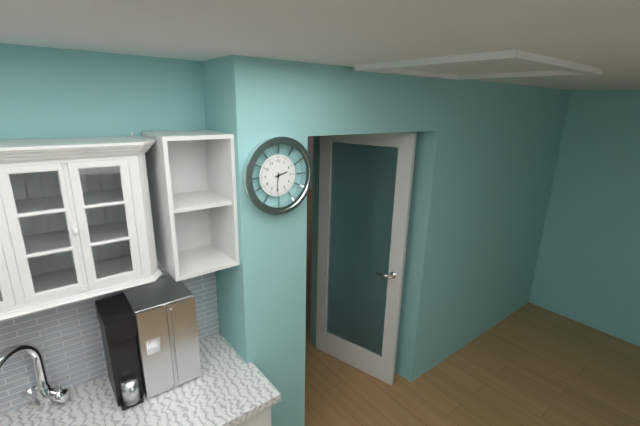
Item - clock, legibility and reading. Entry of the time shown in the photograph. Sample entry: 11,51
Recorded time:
2,31
